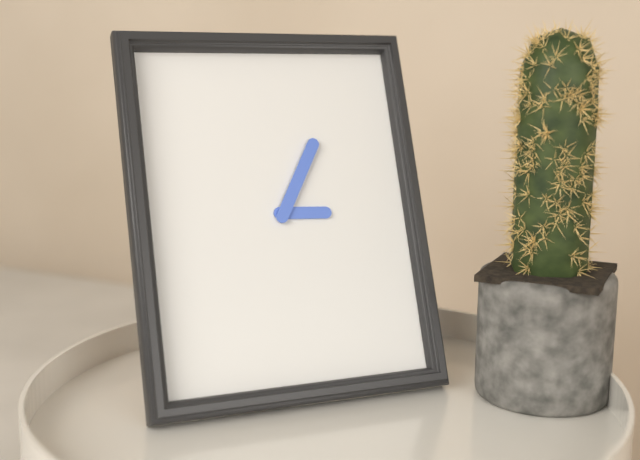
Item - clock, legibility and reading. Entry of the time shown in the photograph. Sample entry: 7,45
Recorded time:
3,05
